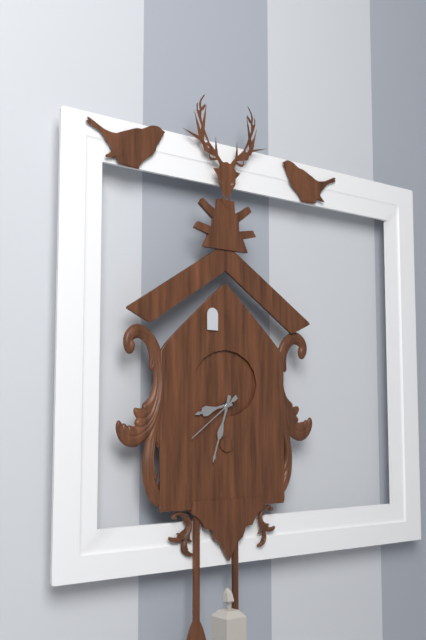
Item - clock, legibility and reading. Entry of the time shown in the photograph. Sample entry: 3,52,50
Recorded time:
8,33,39
